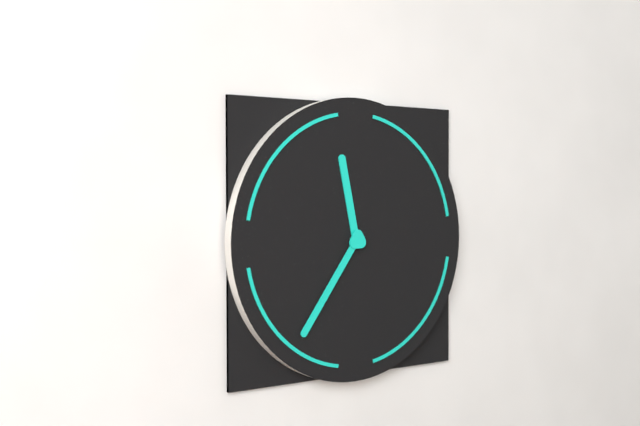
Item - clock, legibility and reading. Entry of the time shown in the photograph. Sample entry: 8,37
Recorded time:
11,36
